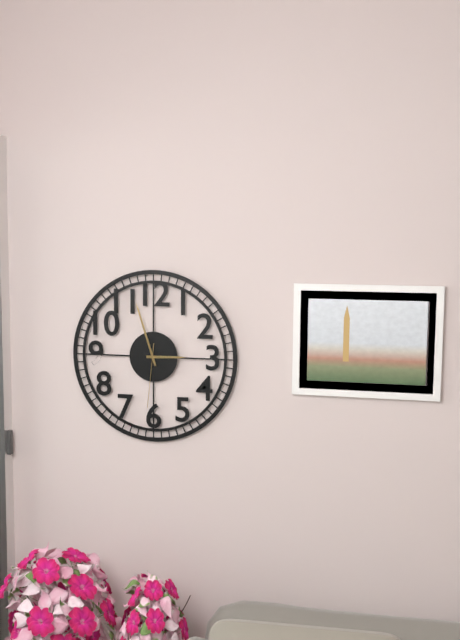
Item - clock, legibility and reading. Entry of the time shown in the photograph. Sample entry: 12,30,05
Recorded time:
2,57,31
